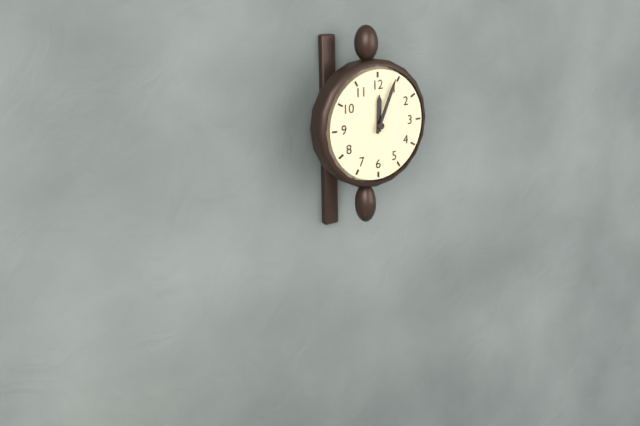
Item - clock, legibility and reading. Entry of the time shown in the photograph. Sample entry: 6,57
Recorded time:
12,04
